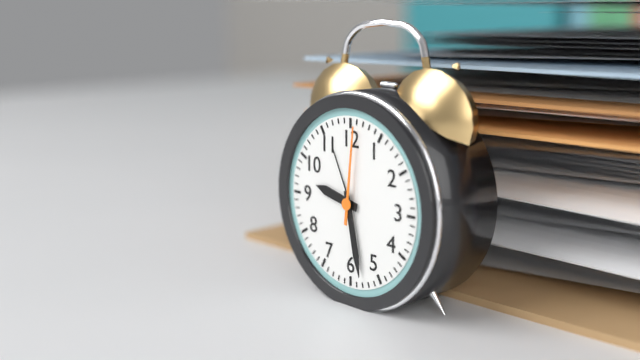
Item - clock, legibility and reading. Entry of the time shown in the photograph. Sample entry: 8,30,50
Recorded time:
9,28,01
